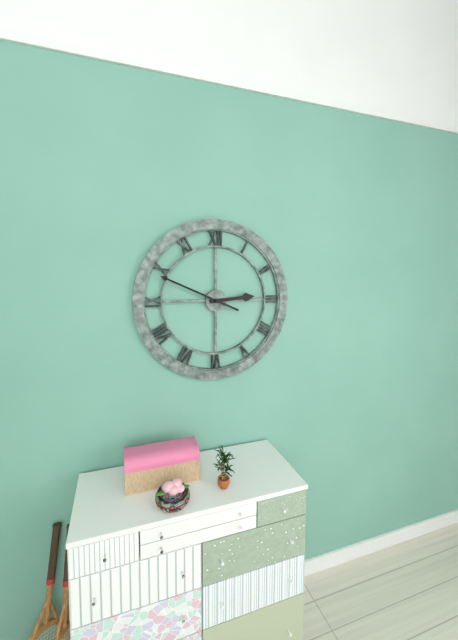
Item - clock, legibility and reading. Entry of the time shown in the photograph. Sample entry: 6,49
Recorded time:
2,49
